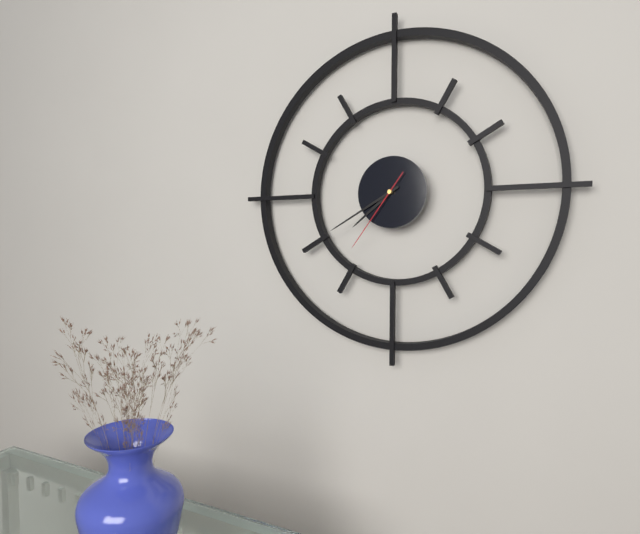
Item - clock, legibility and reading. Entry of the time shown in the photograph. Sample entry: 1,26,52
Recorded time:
7,40,36
